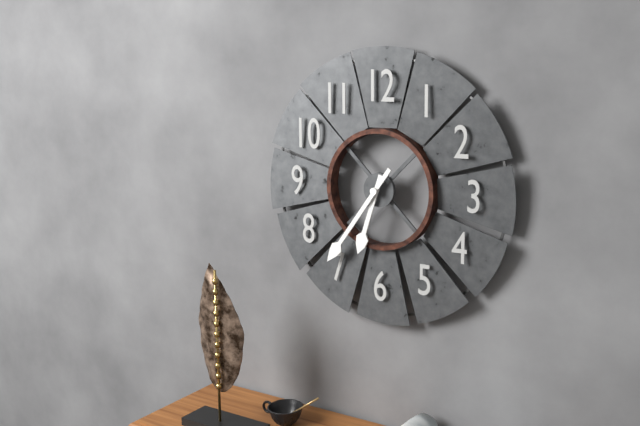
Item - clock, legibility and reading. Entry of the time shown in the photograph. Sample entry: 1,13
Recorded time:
6,36
